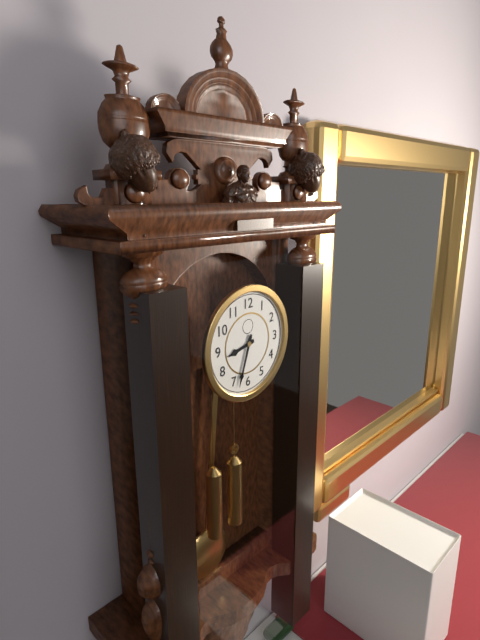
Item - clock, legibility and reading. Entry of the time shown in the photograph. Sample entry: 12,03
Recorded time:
8,33
